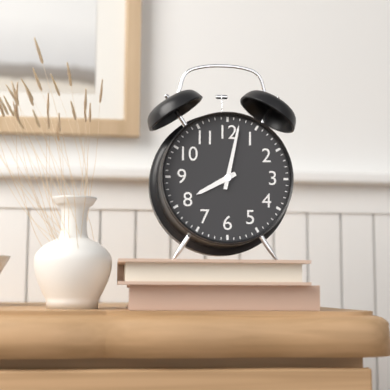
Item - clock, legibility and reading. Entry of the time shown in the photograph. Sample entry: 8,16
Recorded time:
8,02
